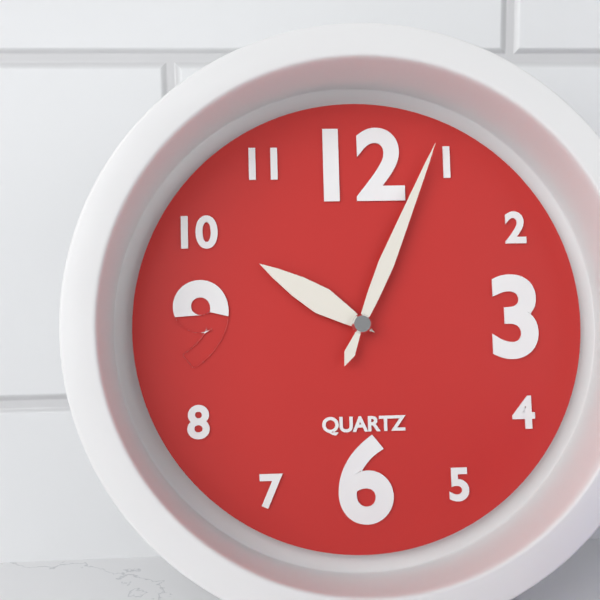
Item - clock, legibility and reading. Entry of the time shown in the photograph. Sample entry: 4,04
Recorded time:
10,04
